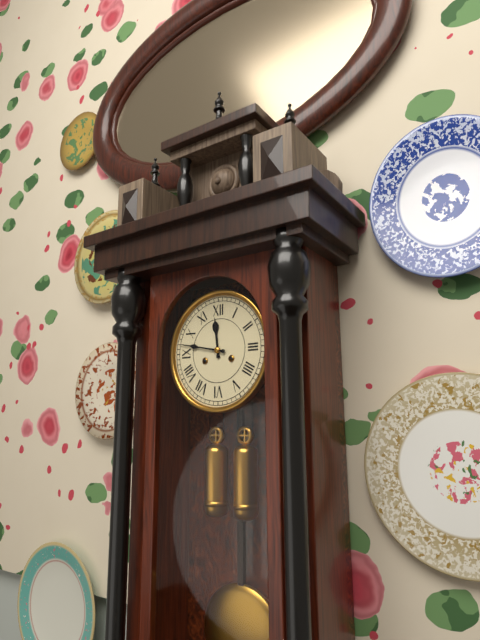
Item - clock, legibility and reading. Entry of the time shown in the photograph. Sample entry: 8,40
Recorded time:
11,47
